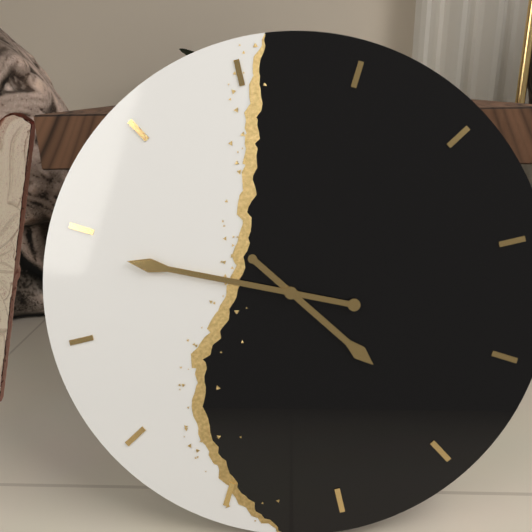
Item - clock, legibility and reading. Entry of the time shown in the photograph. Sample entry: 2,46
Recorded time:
4,49
